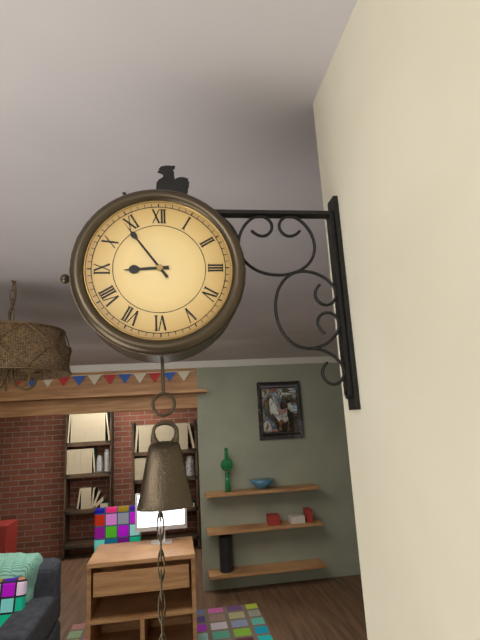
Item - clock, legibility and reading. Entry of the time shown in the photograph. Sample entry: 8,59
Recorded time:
8,54
